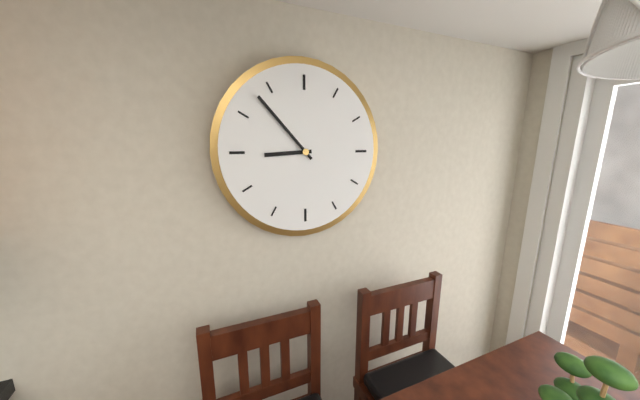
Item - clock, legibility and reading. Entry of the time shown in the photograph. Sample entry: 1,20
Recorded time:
8,53
